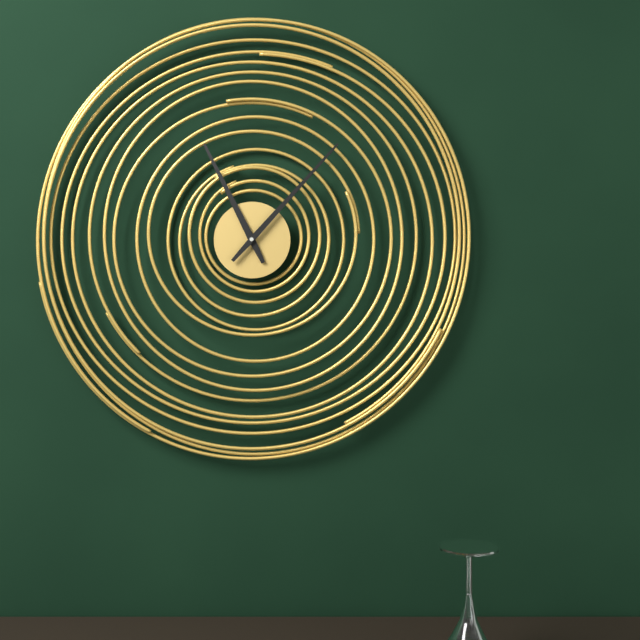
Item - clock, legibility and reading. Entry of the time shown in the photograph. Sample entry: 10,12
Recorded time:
11,07
